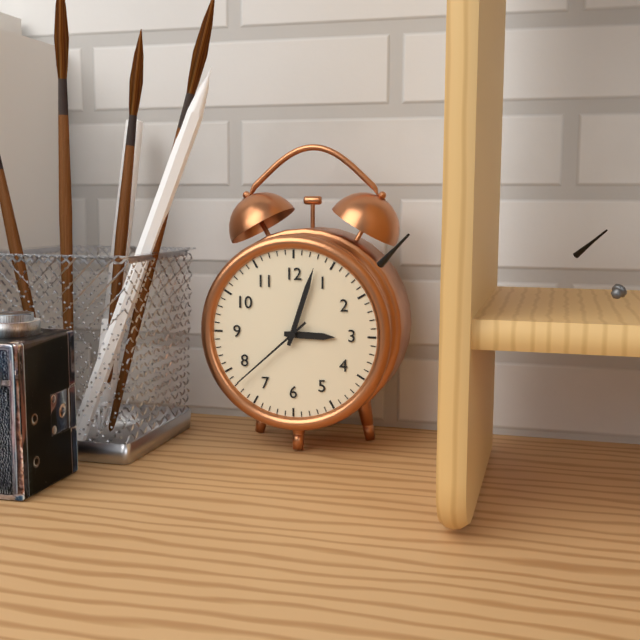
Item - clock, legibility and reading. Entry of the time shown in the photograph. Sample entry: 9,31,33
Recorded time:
3,03,38
